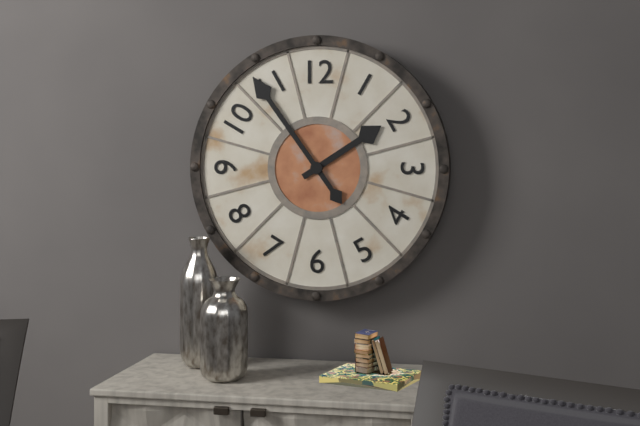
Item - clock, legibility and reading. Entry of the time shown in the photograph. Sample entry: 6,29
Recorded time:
1,54
